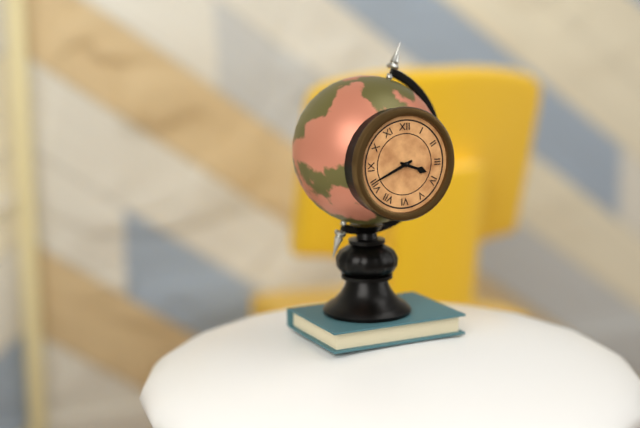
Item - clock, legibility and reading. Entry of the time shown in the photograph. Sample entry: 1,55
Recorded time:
3,41
